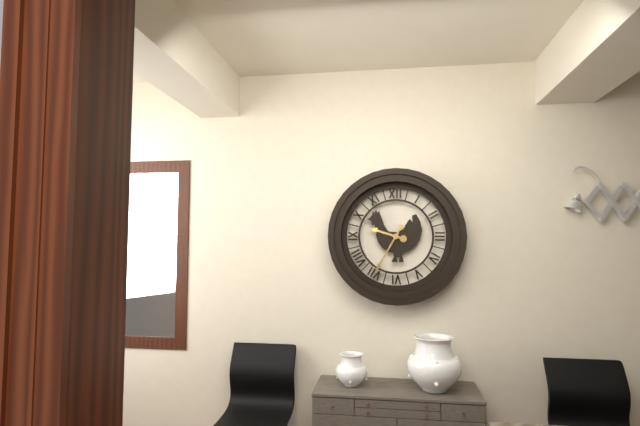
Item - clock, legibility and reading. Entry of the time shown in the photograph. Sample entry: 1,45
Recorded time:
9,35
